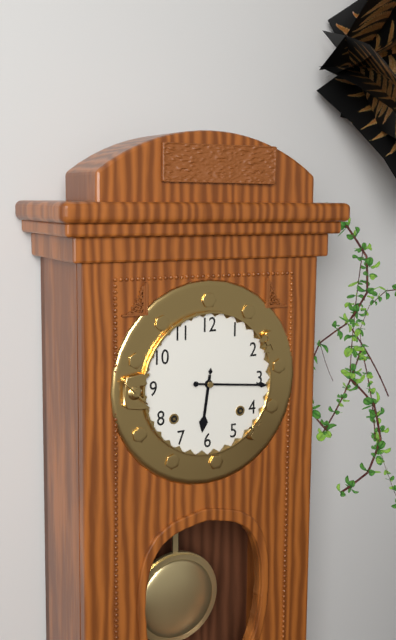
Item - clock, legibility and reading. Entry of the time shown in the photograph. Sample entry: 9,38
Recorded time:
6,16
